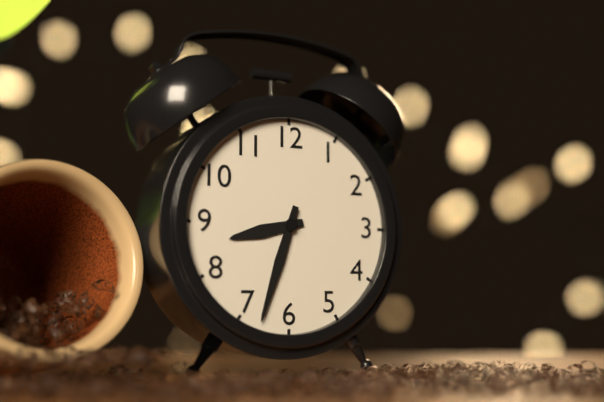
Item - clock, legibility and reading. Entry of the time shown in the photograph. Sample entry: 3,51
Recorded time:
8,33
